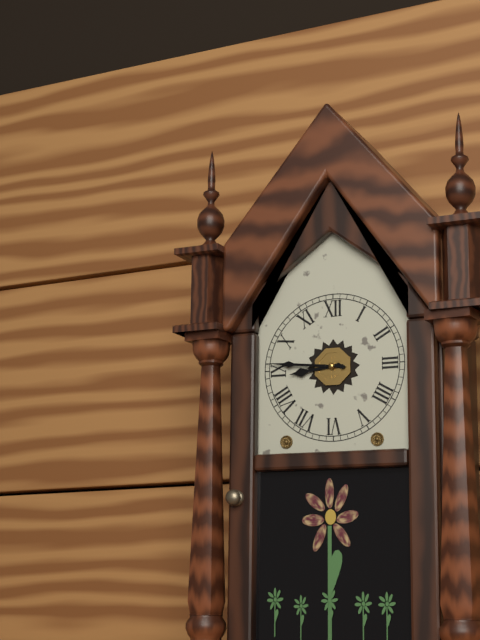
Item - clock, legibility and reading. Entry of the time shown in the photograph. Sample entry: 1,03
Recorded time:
8,46
